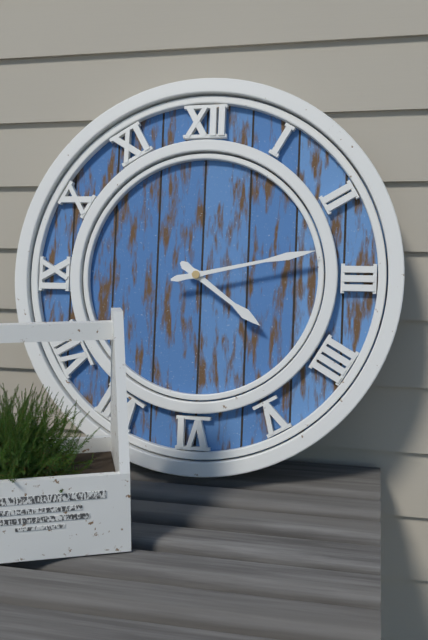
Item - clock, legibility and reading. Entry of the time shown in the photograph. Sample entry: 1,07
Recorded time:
4,13
